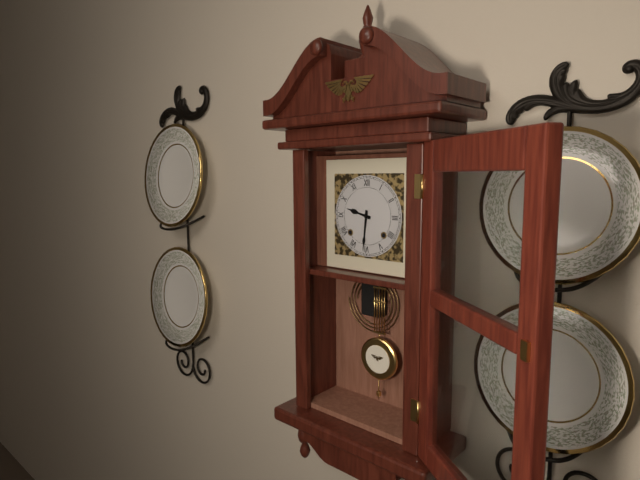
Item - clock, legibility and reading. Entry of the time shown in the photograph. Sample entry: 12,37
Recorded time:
9,31
